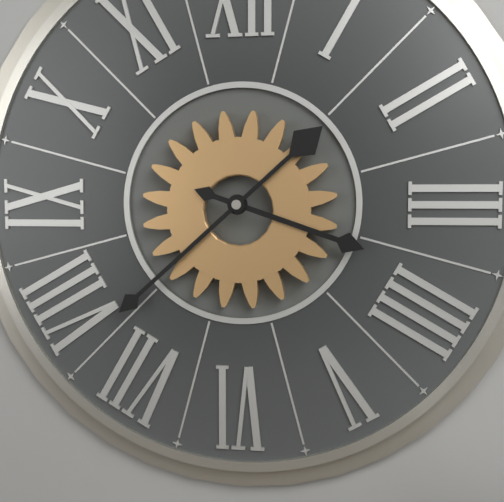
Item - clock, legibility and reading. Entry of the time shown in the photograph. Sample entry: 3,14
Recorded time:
3,38
